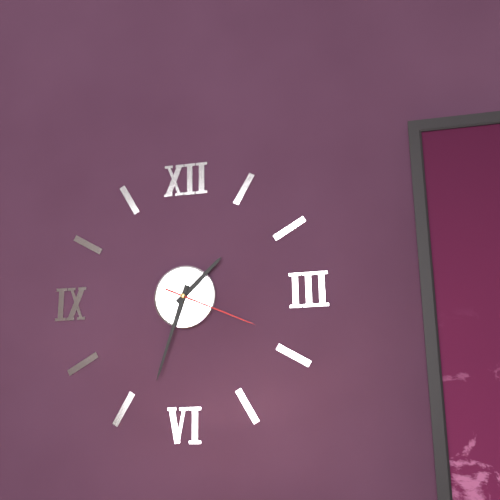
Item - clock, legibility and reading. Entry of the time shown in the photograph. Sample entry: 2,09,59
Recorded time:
1,33,19
